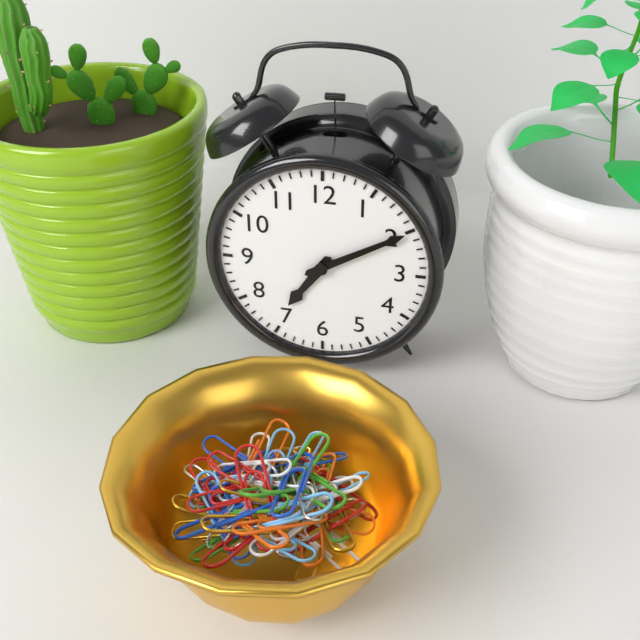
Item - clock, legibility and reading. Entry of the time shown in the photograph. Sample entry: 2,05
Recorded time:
7,10
